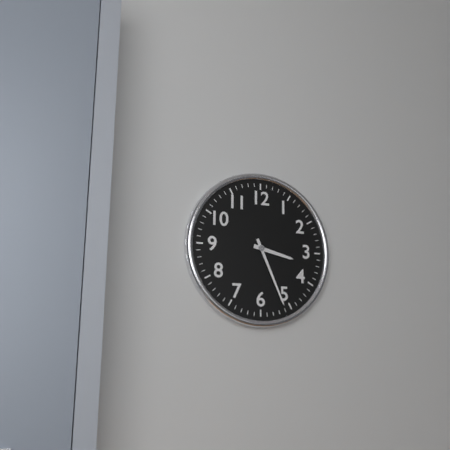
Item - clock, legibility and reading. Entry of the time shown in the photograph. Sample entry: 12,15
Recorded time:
3,26
